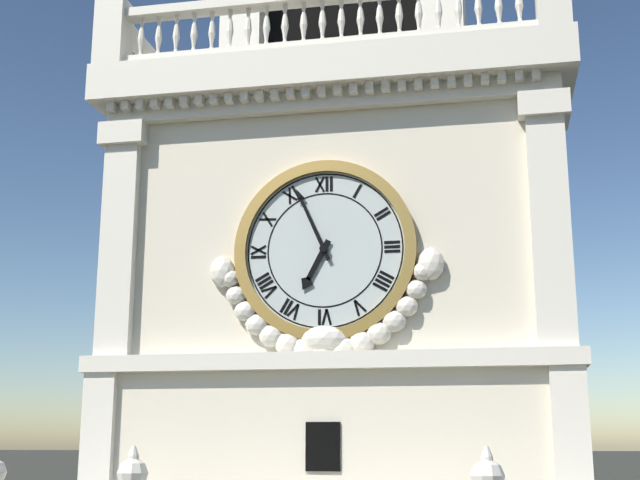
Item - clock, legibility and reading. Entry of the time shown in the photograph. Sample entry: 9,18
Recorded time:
6,56
